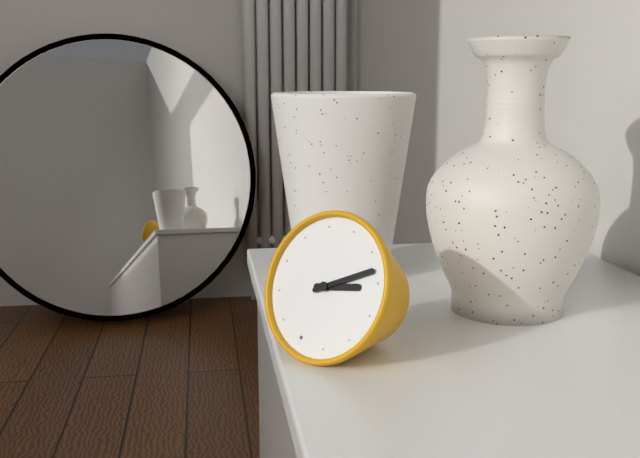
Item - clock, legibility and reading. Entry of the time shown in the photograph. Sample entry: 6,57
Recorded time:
2,08
